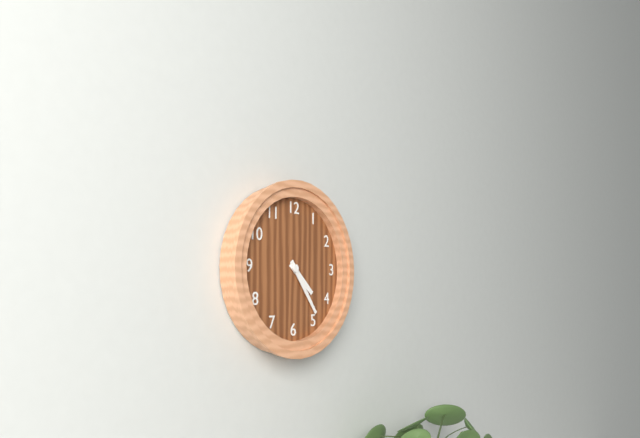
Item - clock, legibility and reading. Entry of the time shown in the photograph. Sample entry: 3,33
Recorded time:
4,24
